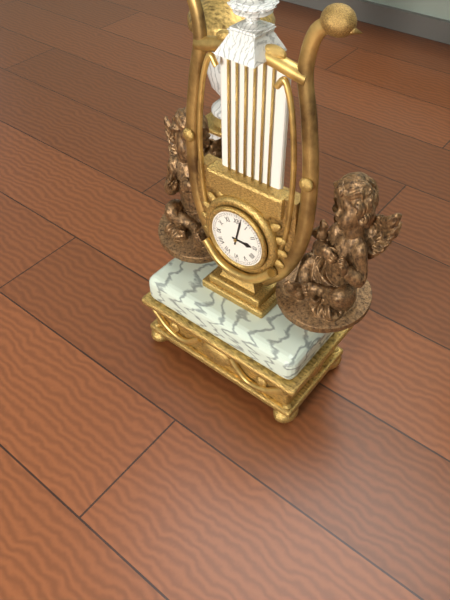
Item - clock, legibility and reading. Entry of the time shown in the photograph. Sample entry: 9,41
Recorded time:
3,02
